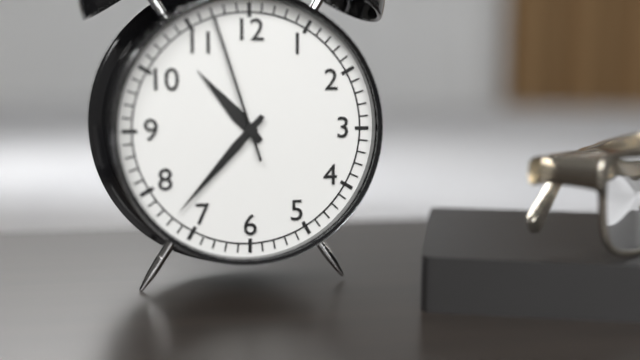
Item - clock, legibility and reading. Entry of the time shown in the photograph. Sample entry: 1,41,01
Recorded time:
10,37,57
